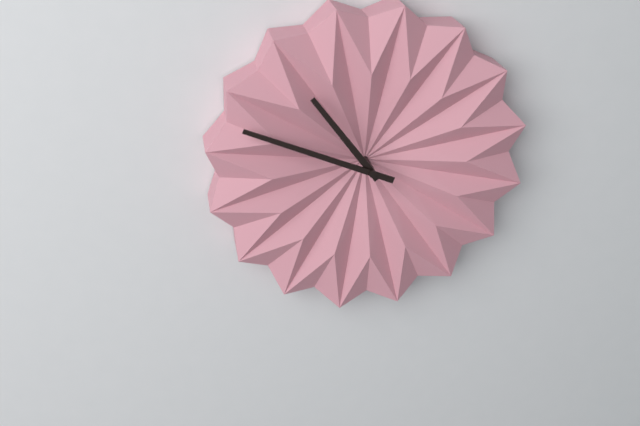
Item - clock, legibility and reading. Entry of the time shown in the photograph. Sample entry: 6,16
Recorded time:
10,49
